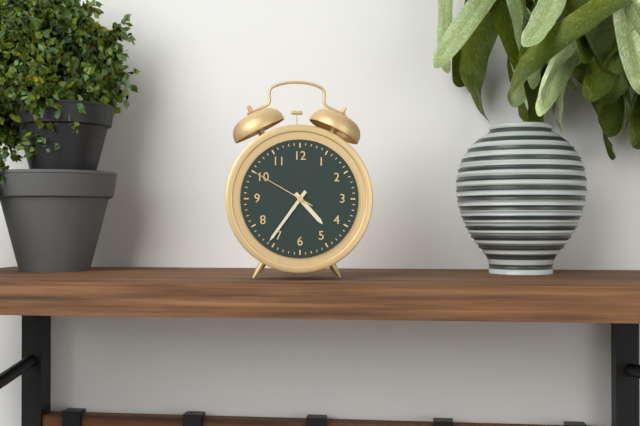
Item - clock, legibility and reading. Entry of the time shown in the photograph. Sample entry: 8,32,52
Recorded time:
4,36,50
